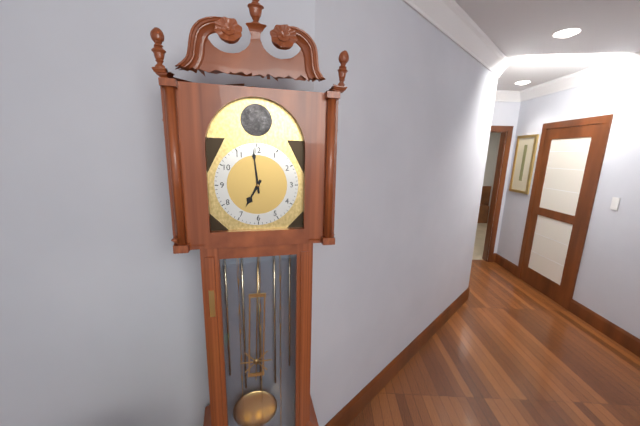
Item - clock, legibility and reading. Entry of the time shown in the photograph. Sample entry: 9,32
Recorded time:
6,59
